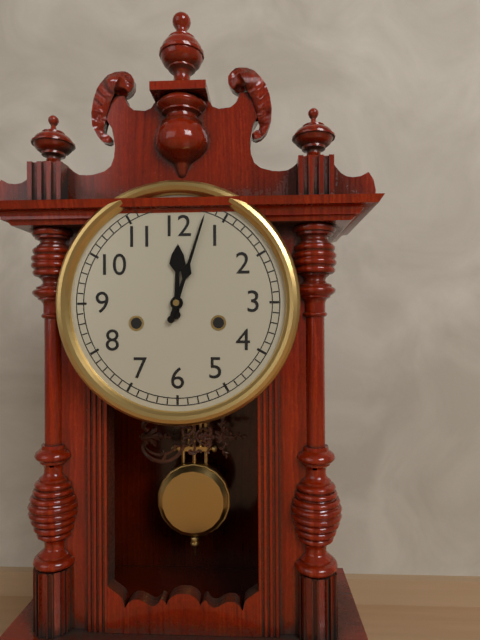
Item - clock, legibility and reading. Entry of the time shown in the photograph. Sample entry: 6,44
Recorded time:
12,03
